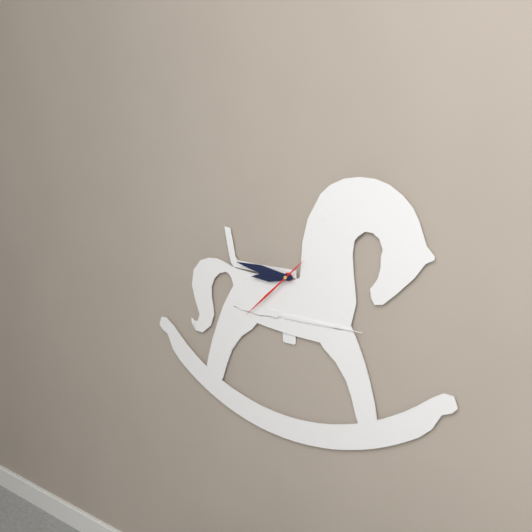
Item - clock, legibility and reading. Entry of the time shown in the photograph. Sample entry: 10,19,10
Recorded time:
8,46,38
